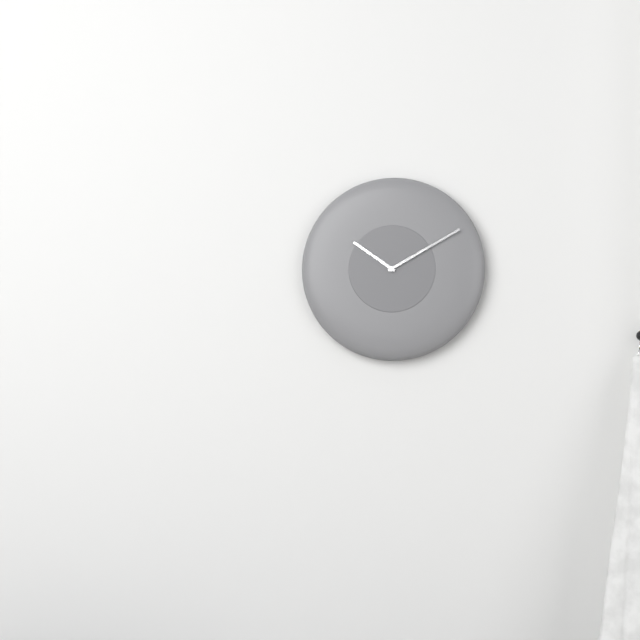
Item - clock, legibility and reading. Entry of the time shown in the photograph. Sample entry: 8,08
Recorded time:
10,10
